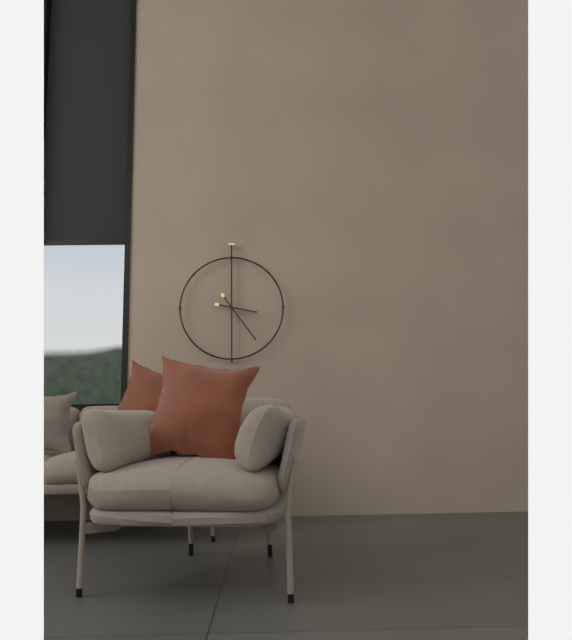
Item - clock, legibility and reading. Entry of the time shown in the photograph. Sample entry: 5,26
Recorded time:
3,24
